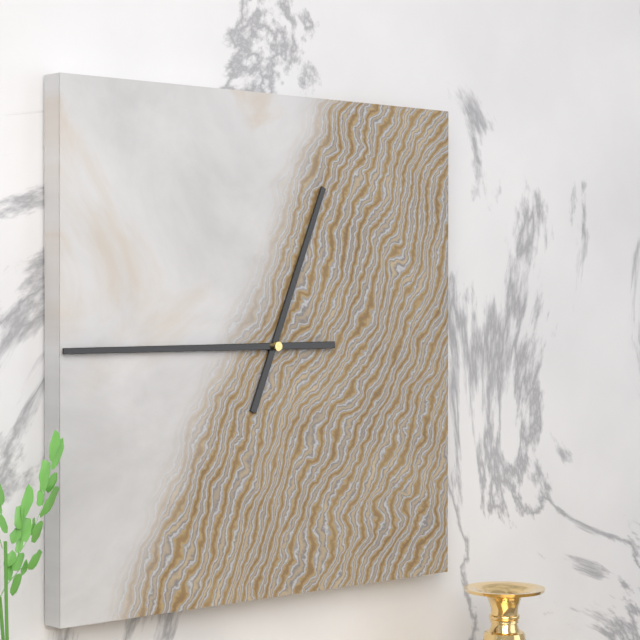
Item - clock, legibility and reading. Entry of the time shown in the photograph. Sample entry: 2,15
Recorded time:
12,45
